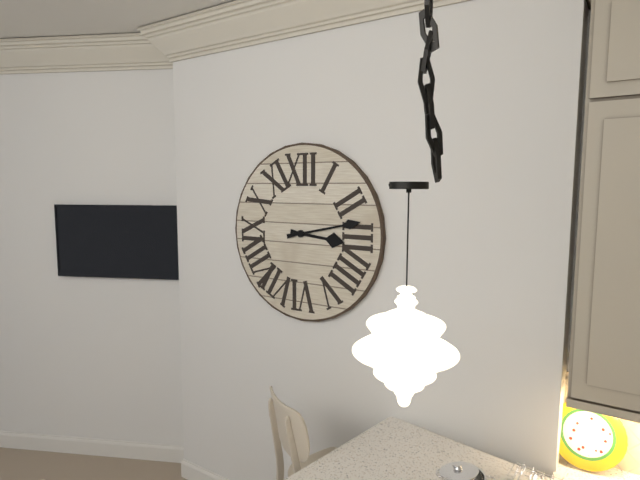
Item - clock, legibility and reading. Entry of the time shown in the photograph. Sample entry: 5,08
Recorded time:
3,13
